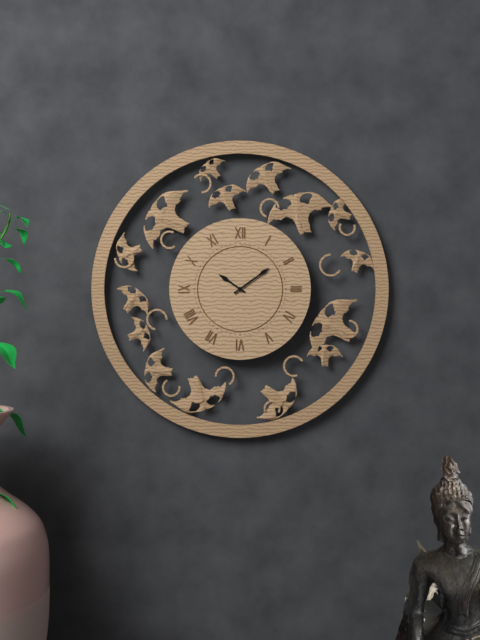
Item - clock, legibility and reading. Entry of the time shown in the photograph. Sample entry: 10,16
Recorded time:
10,09
